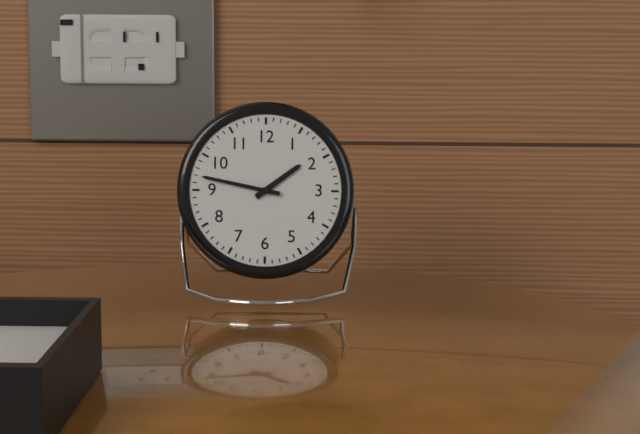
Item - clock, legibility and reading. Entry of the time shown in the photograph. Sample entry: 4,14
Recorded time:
1,47
